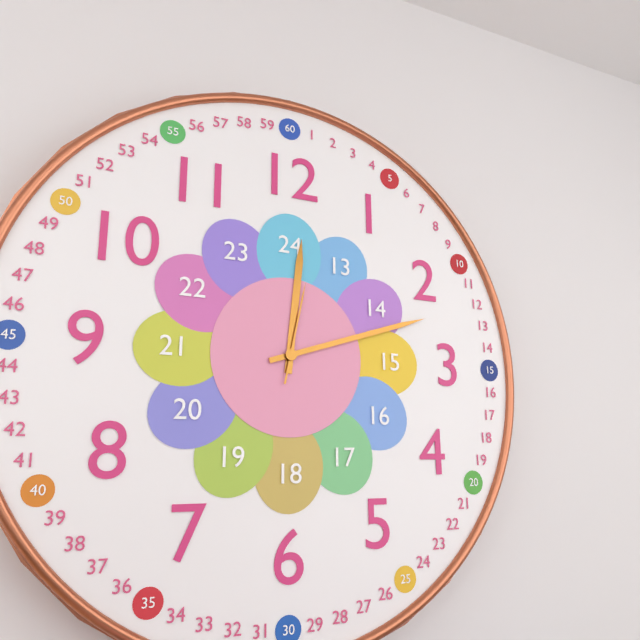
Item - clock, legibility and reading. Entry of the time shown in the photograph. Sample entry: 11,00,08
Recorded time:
12,12,02
